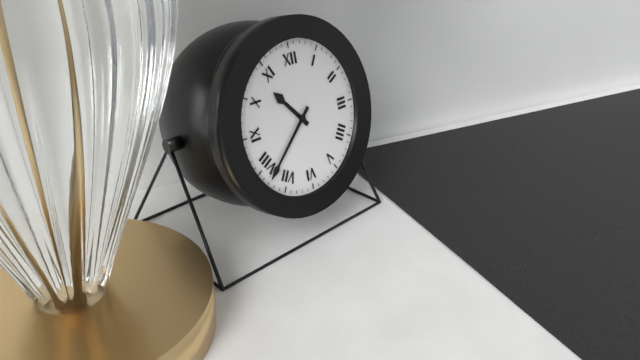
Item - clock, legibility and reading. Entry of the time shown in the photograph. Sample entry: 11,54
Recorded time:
10,38
